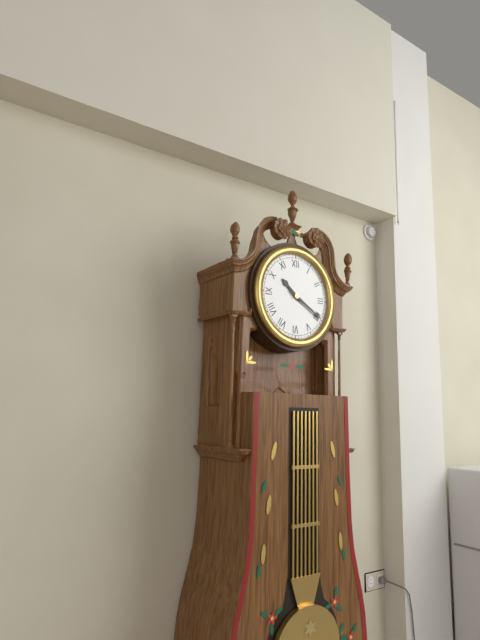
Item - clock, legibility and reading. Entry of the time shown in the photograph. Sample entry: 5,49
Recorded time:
10,20
